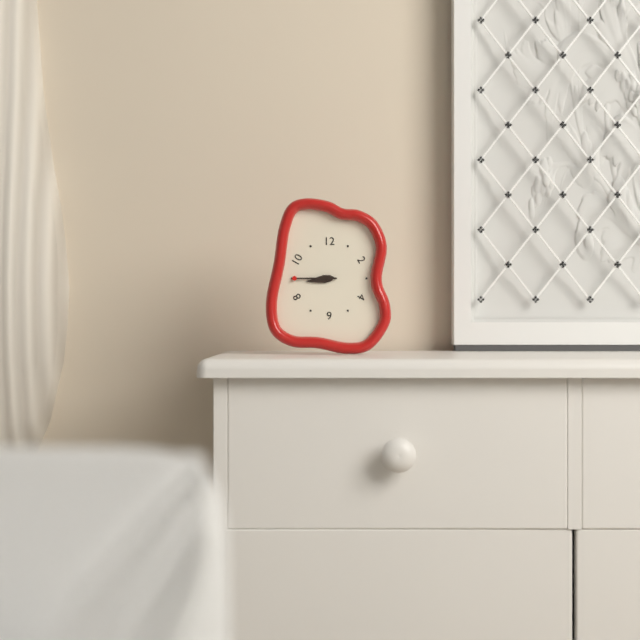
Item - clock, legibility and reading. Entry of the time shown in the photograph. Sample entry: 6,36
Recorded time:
8,45
